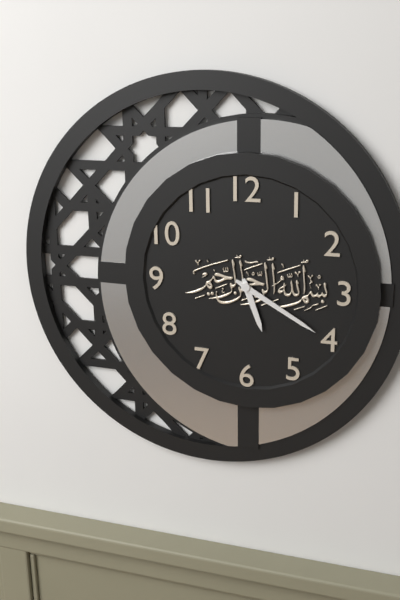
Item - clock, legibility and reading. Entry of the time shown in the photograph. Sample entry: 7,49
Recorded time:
5,20
